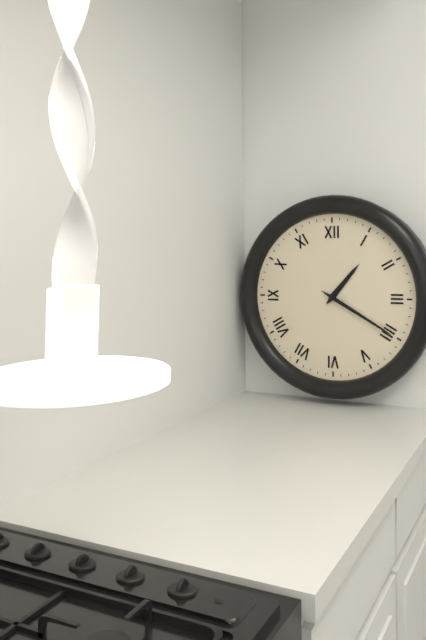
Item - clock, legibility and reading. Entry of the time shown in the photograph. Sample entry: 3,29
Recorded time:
1,20
